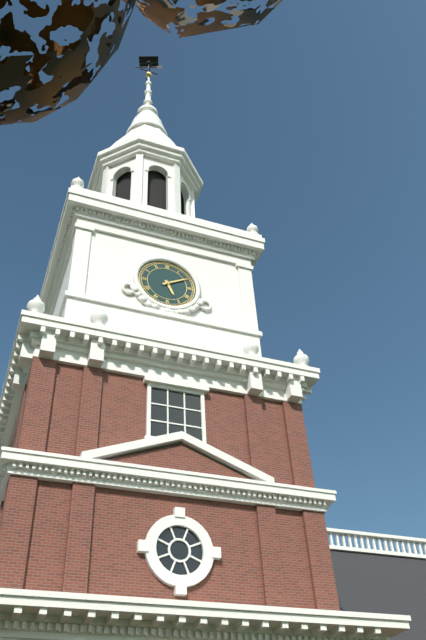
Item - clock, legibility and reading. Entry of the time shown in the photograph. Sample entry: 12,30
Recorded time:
5,10
